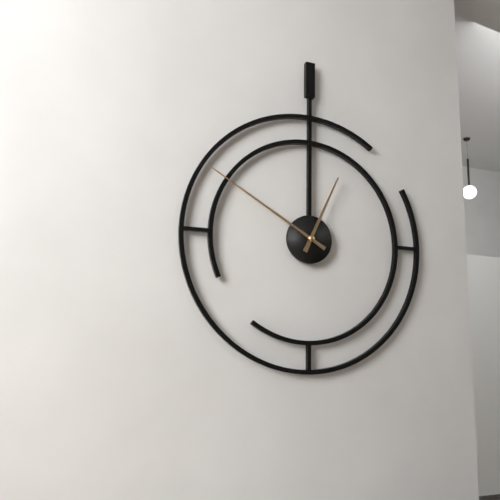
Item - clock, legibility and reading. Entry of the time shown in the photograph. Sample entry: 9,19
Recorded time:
12,50
